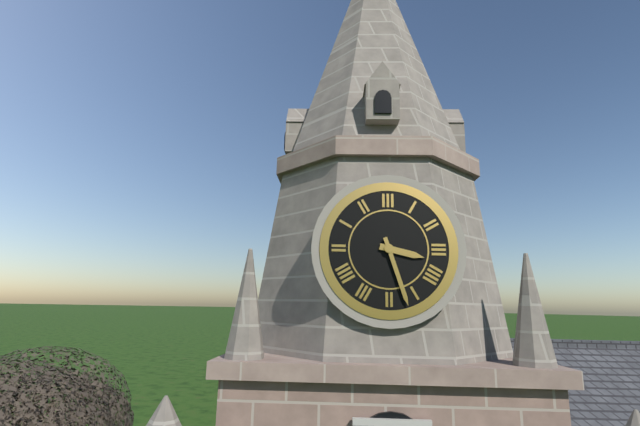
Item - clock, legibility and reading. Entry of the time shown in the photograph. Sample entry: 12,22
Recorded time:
3,27
